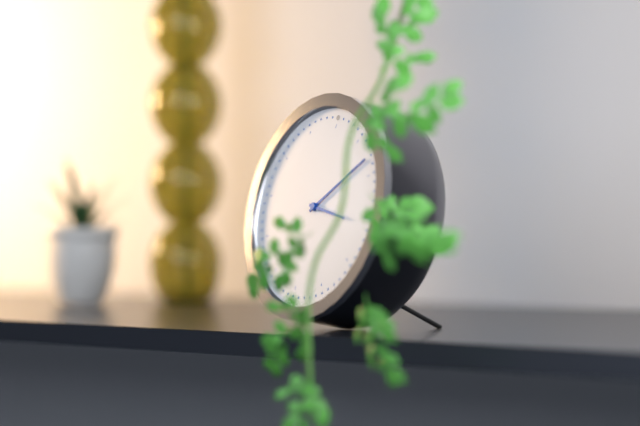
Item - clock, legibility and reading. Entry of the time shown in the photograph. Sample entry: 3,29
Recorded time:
3,08
